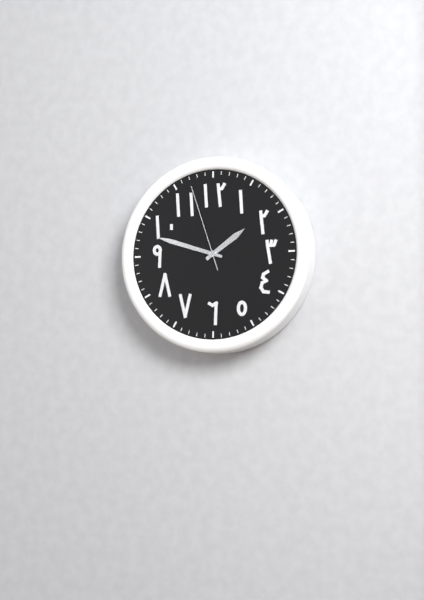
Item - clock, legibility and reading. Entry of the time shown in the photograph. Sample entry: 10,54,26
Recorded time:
1,48,57
